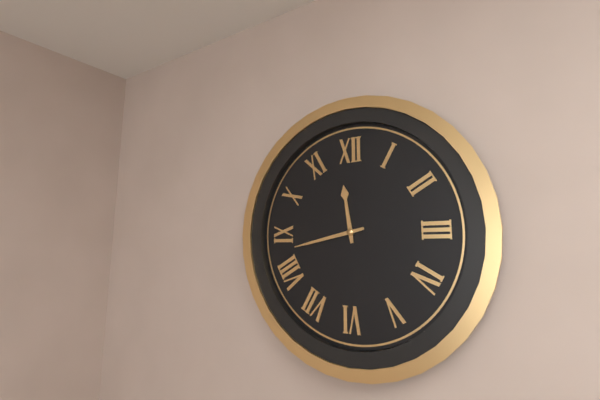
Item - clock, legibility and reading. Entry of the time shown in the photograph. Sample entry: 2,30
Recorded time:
11,43
